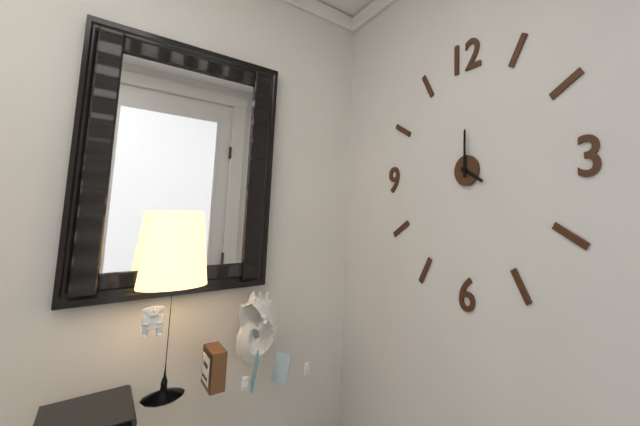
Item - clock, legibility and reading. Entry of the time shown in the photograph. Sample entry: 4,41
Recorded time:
4,00
